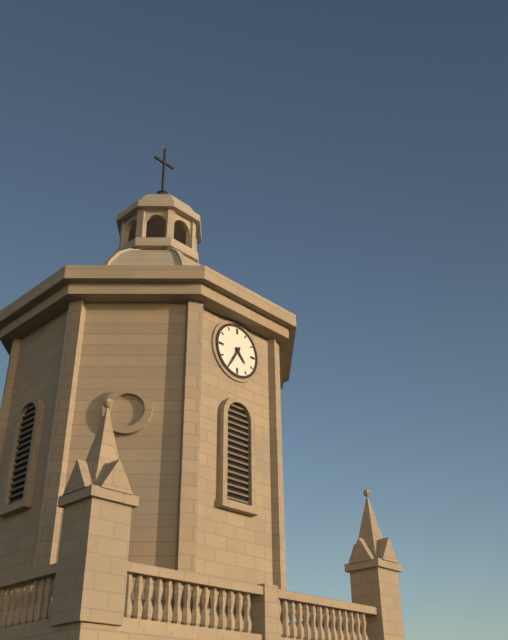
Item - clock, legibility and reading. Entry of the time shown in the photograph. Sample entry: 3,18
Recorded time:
4,35
